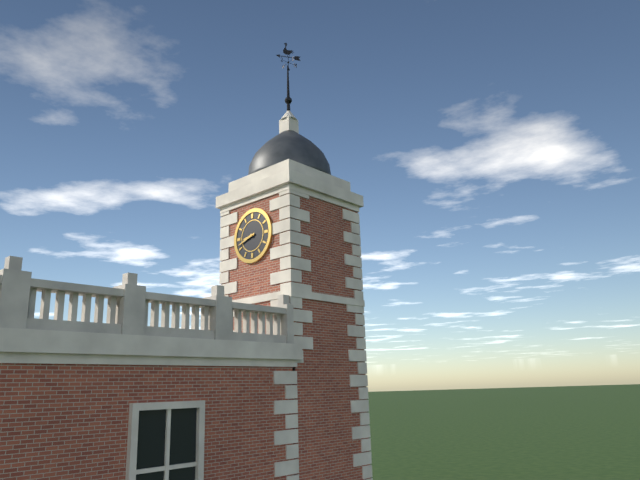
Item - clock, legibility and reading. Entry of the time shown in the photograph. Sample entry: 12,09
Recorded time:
8,42
